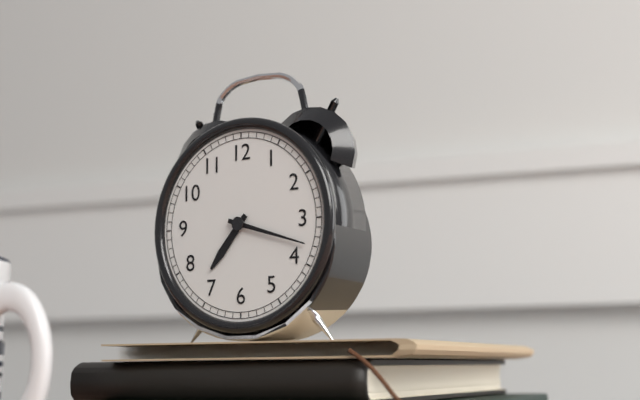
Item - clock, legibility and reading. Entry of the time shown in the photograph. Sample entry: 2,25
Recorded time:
7,18
